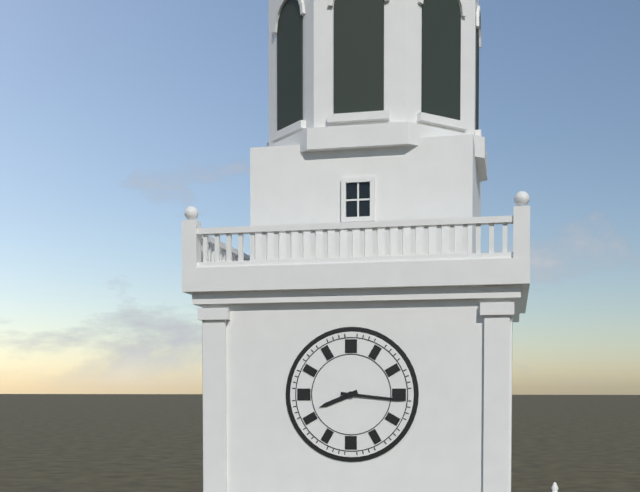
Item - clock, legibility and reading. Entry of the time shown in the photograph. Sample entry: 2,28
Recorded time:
8,16
